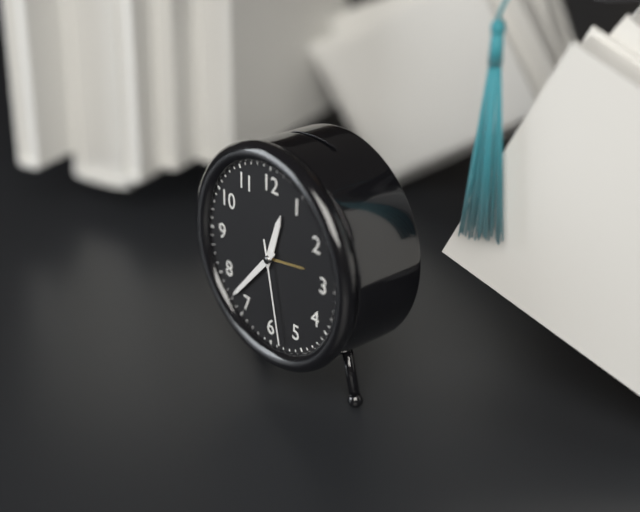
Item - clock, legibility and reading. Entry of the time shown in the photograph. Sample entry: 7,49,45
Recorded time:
12,37,28
